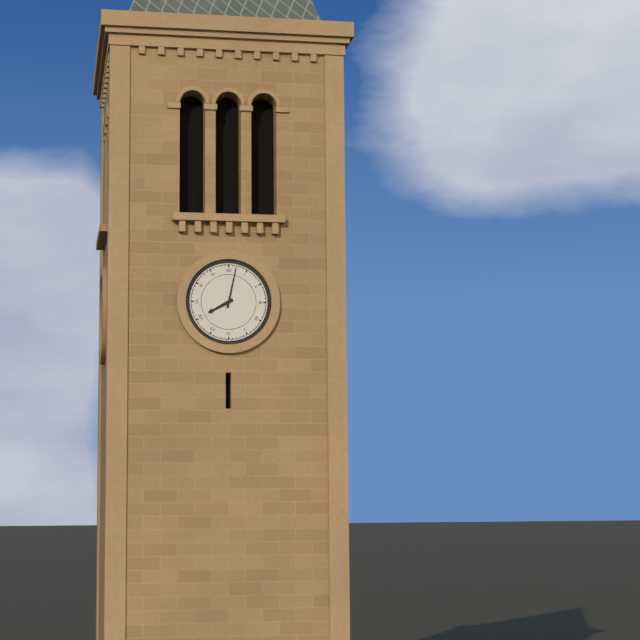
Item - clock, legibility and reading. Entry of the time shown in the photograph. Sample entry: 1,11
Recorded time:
8,02
